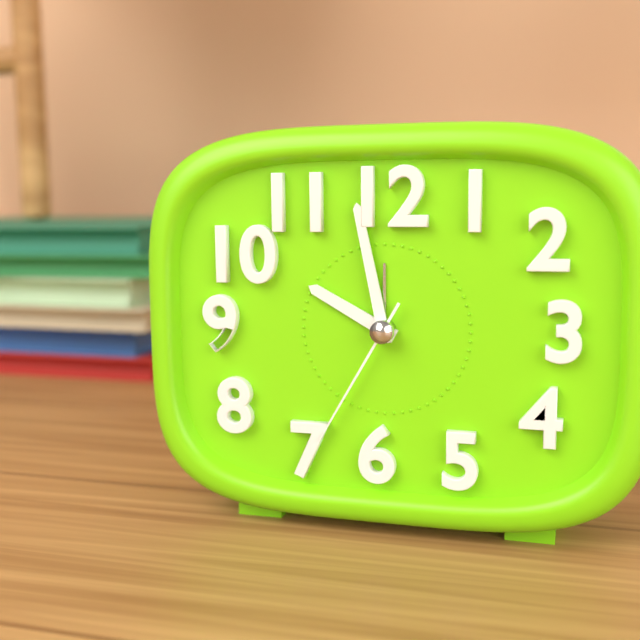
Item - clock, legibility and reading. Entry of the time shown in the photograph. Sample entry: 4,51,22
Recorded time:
9,58,35
